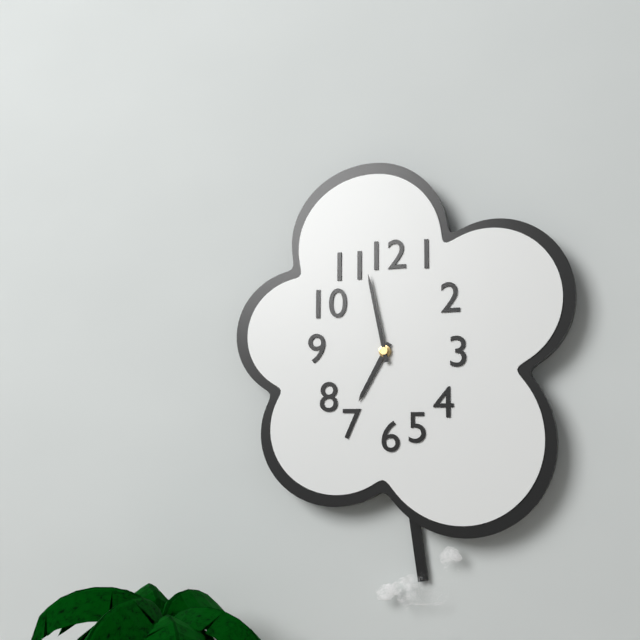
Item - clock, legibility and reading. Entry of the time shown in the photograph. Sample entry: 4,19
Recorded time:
6,58
